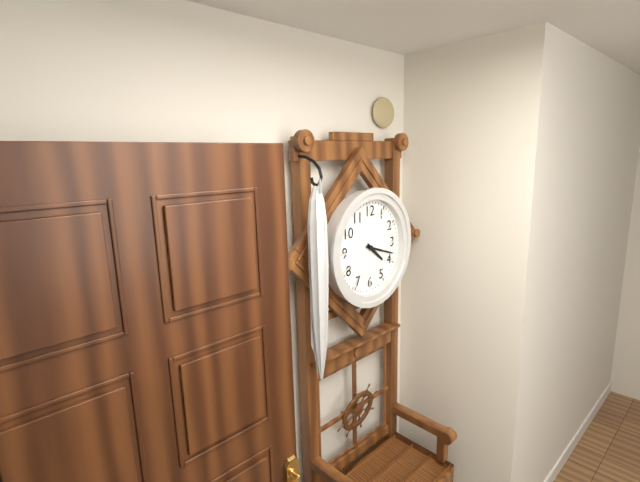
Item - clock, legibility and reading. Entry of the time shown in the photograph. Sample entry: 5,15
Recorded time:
4,18
